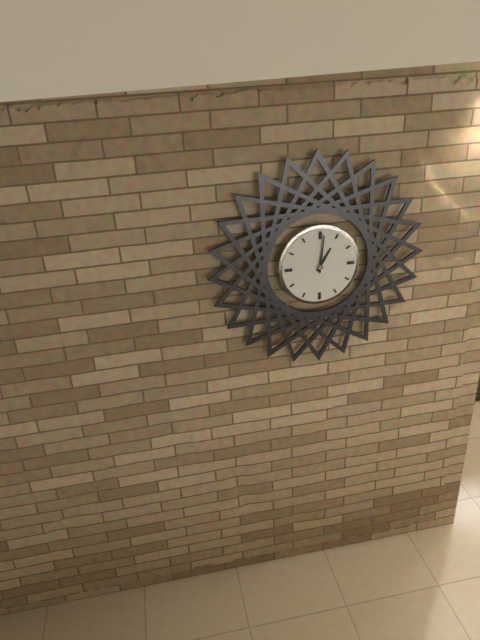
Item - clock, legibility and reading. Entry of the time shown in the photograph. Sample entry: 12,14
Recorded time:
1,01
